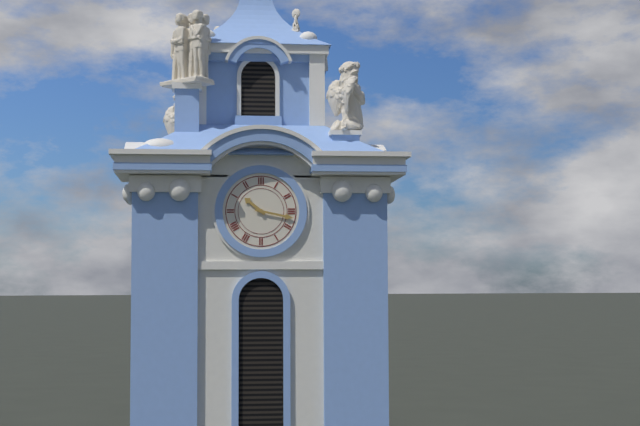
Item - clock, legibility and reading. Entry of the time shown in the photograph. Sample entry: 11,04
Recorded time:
10,17
